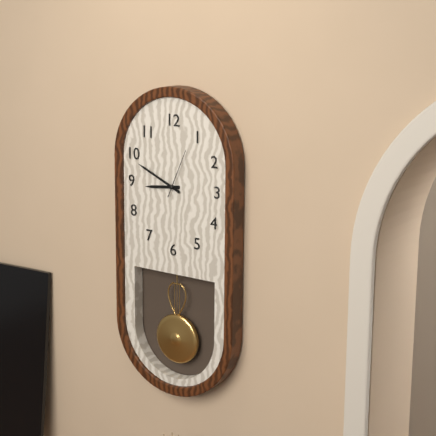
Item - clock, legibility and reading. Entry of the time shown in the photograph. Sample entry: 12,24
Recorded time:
8,49
